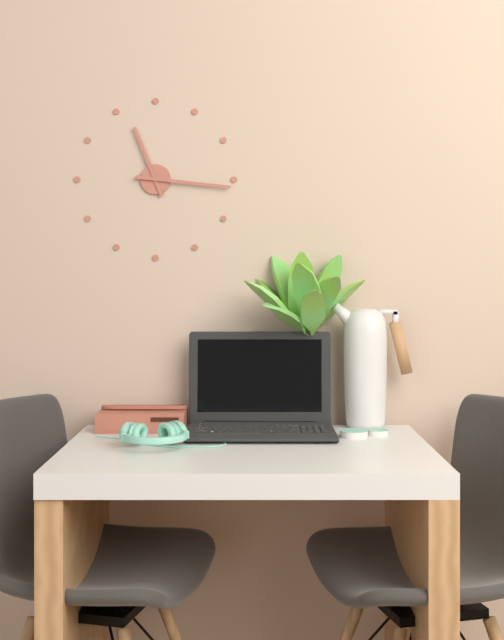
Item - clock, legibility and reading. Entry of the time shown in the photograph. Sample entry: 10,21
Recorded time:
11,16
